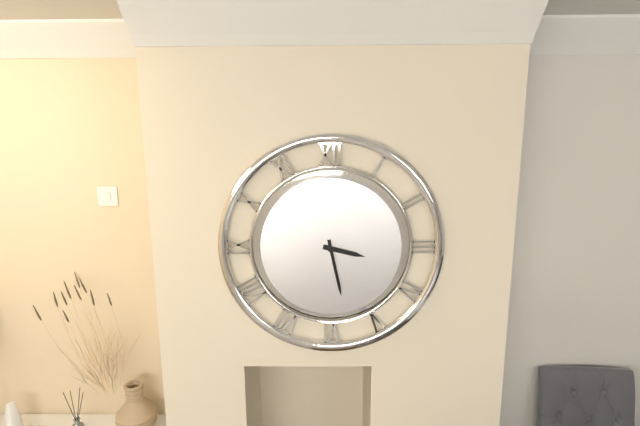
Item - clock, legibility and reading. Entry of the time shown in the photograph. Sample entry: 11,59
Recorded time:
3,28
